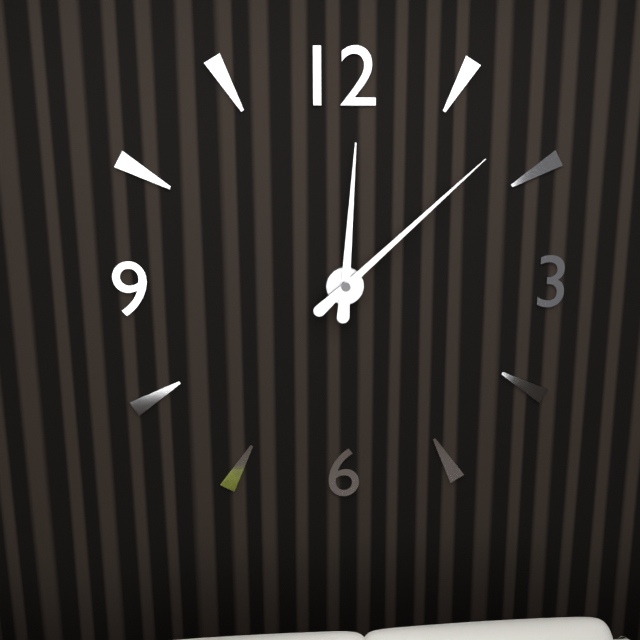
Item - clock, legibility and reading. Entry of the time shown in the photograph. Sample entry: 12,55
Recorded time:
12,08
